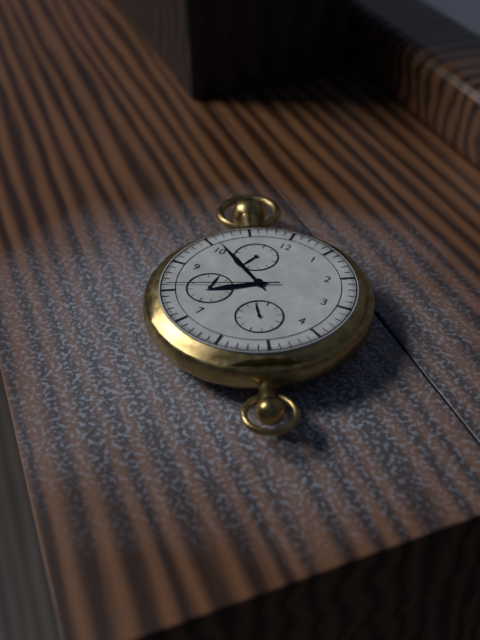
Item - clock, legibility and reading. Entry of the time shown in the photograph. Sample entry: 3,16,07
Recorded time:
7,51,41
